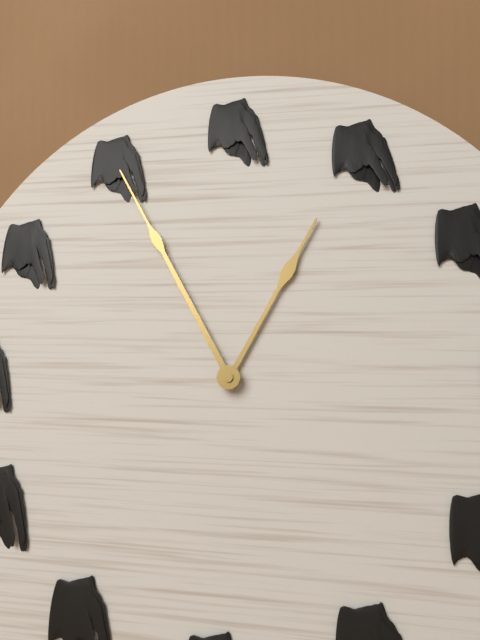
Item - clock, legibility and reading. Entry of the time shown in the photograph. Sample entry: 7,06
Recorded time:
12,55
